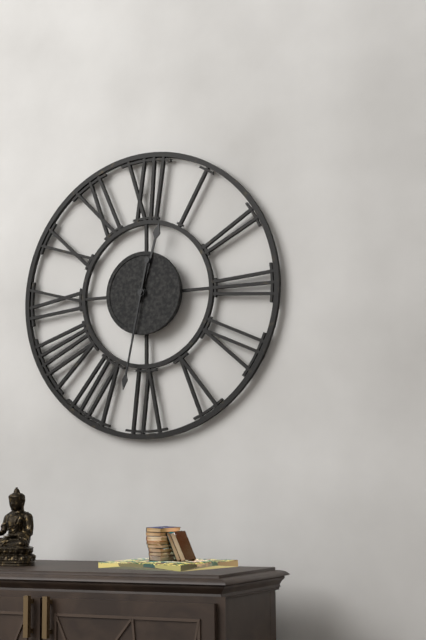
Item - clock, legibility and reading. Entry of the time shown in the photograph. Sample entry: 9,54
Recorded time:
12,32
